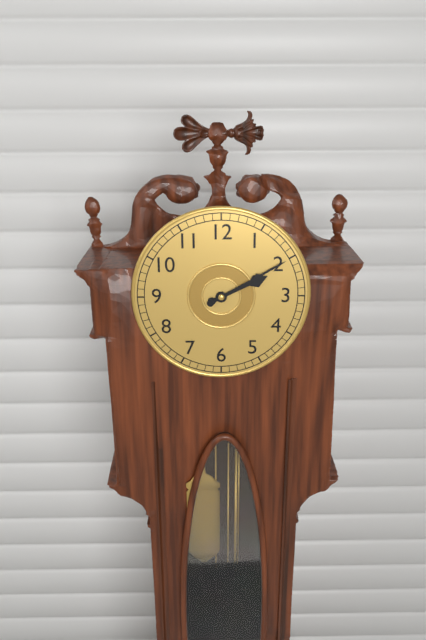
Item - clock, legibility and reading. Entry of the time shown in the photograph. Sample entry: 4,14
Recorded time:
2,10
